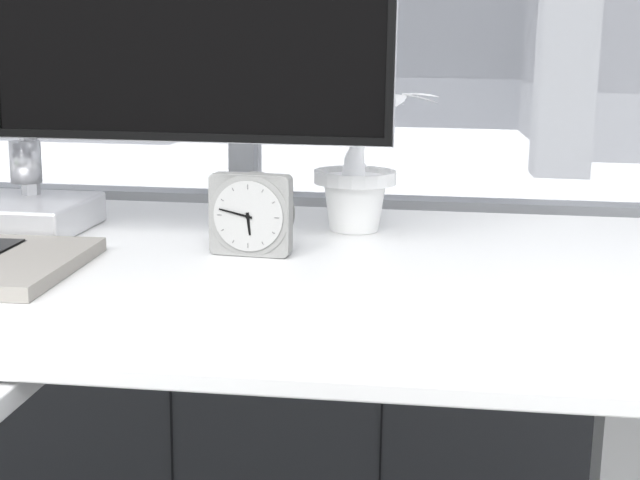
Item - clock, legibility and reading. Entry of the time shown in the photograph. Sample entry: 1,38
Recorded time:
5,47
